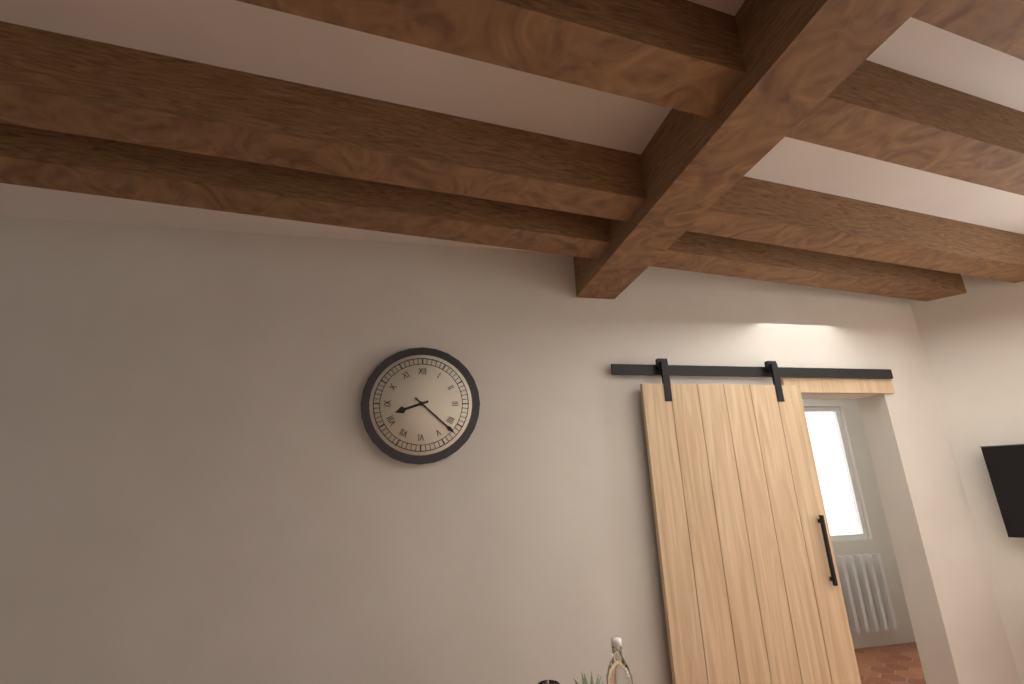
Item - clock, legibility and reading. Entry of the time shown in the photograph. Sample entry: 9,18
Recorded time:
8,22
